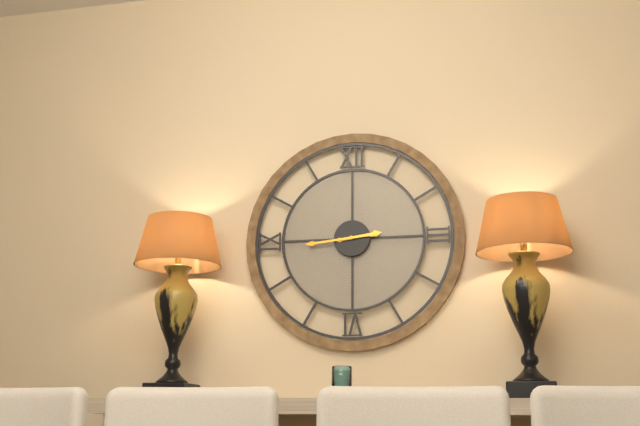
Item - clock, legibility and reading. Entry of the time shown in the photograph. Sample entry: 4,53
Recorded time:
2,44
